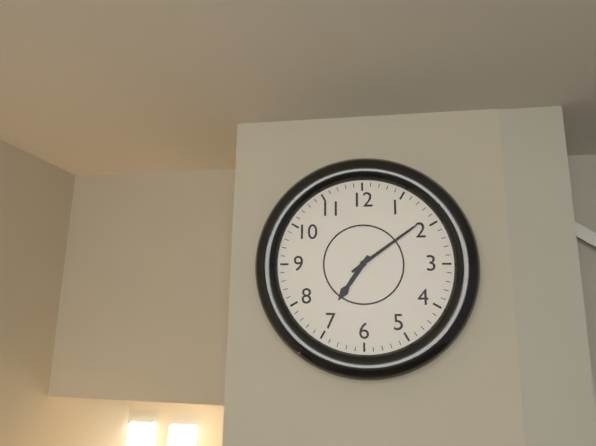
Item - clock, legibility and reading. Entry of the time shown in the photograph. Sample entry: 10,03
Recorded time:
7,09
